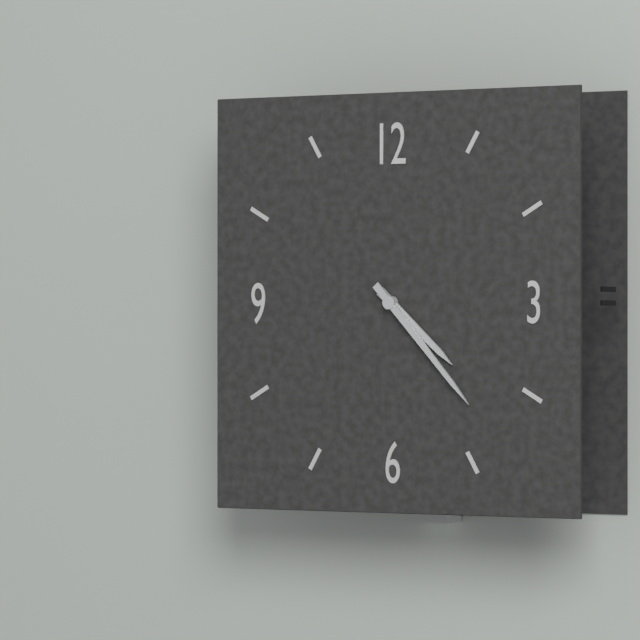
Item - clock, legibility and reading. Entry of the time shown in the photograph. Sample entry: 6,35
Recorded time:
4,23
